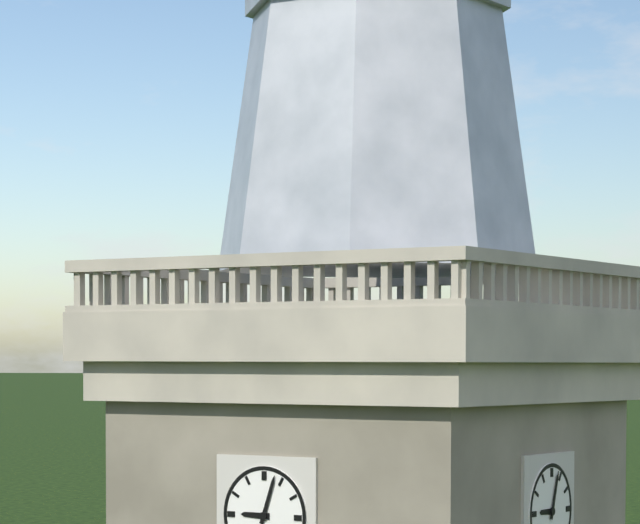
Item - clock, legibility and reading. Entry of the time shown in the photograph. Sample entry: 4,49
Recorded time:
9,03
